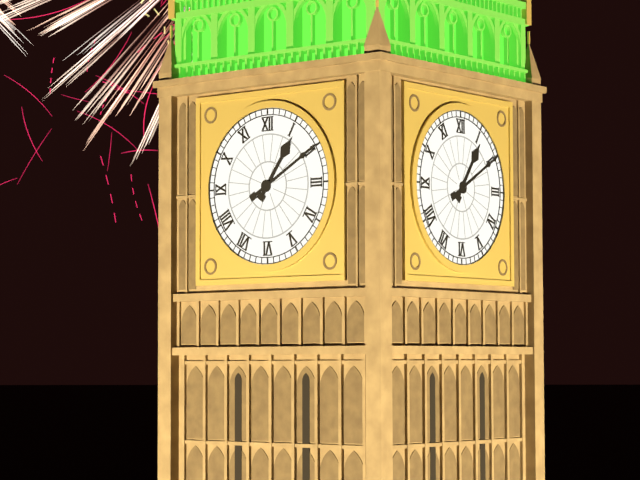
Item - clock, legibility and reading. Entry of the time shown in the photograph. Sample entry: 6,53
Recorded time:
1,10
